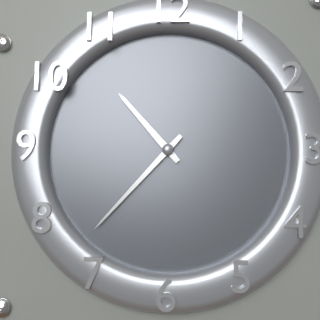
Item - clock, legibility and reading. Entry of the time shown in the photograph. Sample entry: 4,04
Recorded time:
10,37
